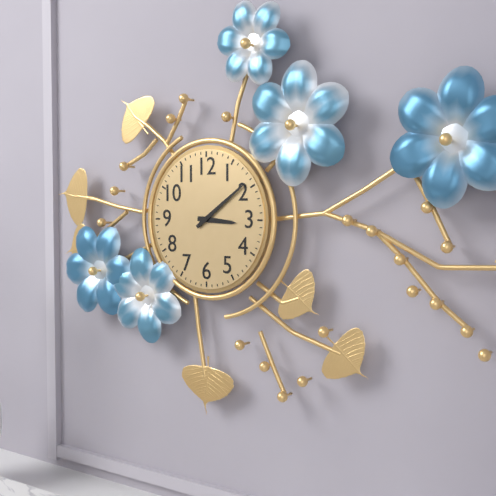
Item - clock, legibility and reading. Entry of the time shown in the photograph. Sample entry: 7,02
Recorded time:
3,09
